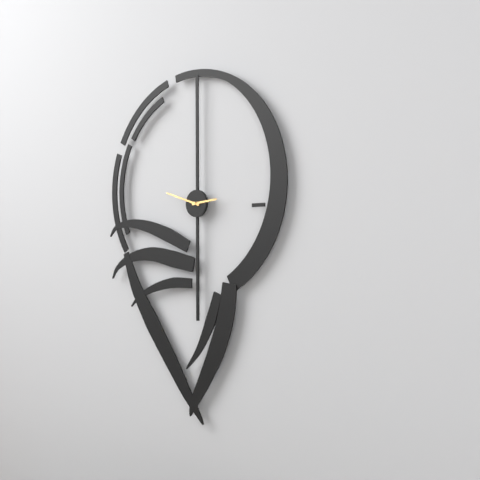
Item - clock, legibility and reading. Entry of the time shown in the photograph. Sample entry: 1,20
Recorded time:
2,48
